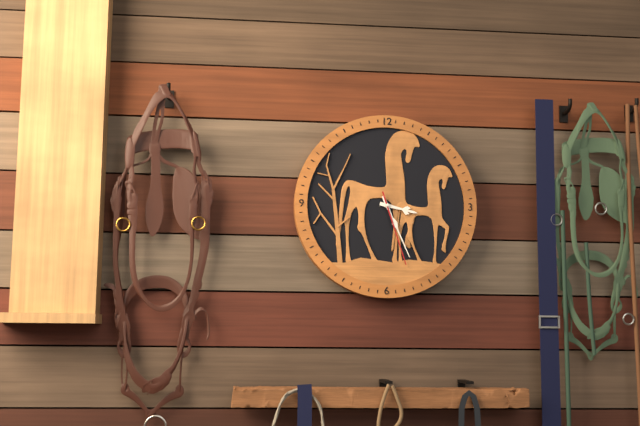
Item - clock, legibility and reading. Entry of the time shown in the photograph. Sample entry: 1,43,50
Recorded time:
3,26,27
